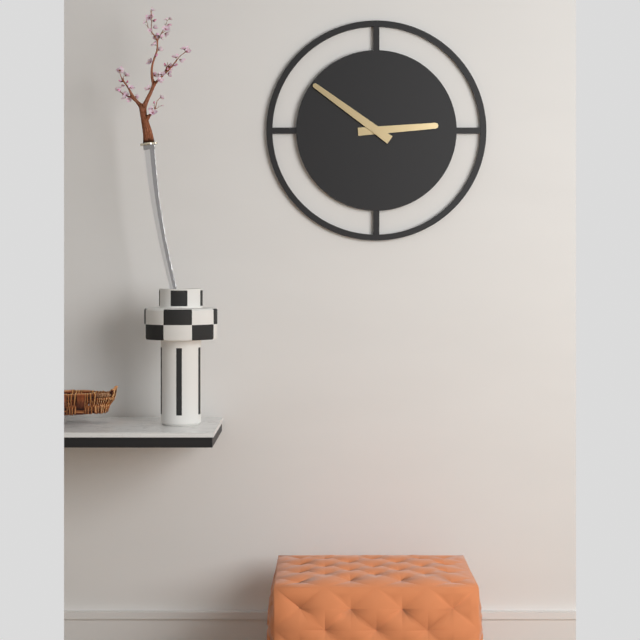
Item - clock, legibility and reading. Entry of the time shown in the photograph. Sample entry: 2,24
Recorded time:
2,51
